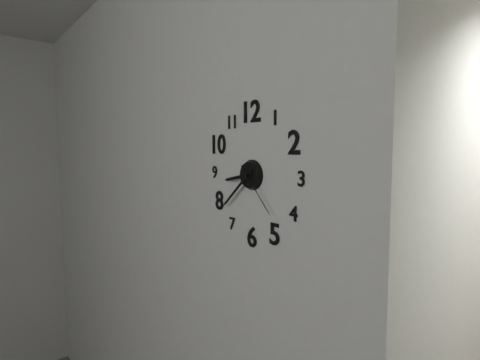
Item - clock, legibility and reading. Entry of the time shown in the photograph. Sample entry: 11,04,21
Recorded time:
8,38,23
